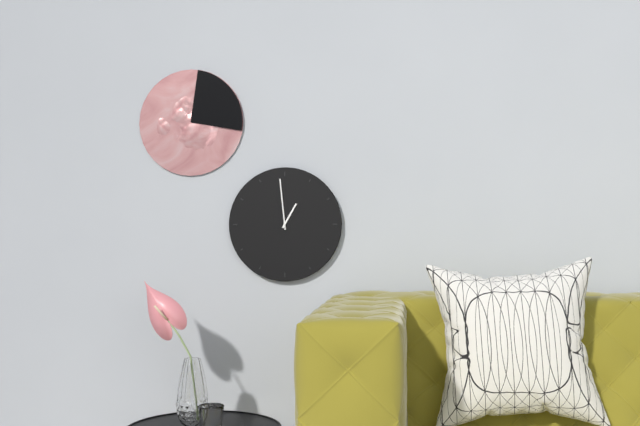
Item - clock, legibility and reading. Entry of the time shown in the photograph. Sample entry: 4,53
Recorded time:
12,59
